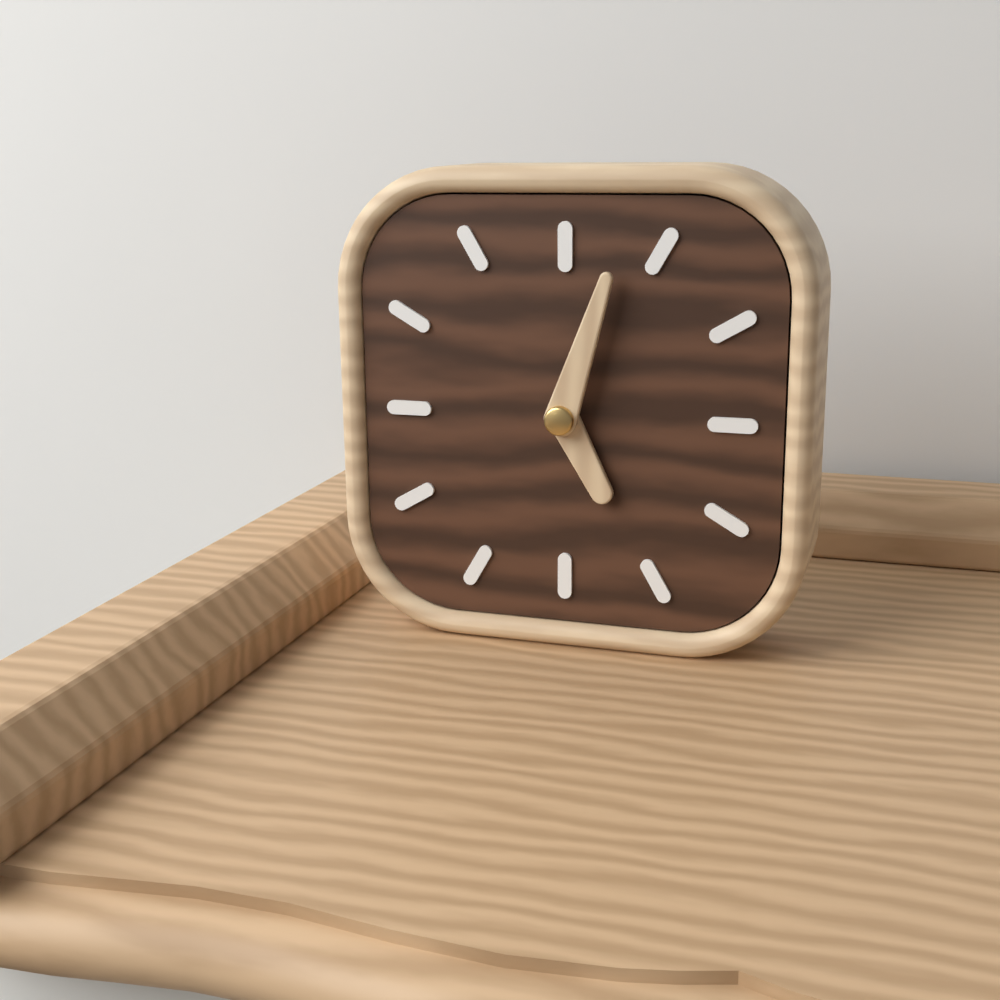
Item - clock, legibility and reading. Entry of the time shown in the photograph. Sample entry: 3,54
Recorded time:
5,03
